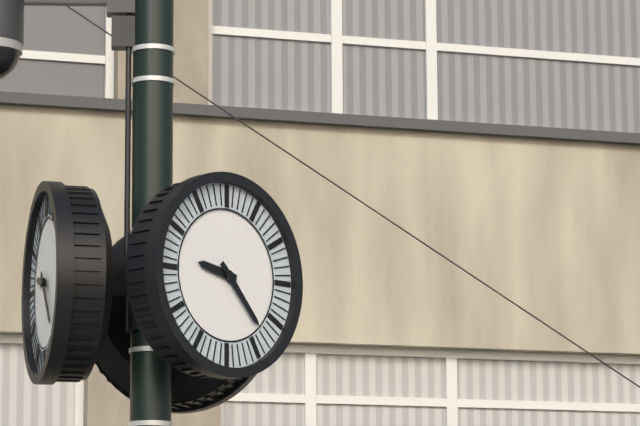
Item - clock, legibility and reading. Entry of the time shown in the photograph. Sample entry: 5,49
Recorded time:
9,23
